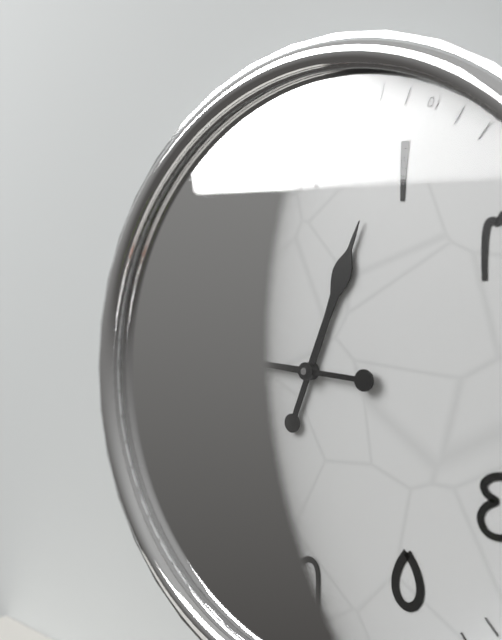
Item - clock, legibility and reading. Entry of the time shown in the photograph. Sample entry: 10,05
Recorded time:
12,46
